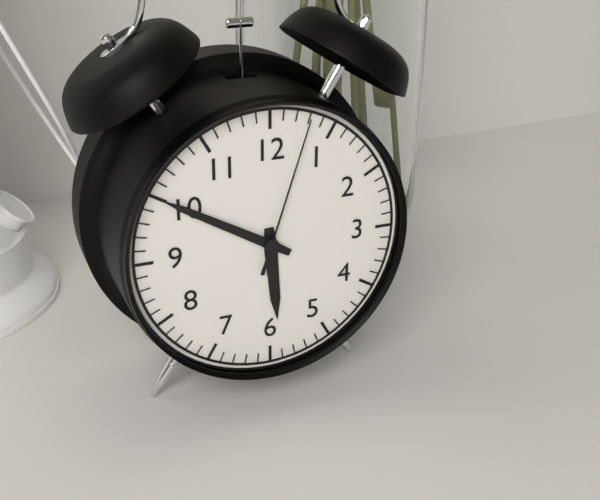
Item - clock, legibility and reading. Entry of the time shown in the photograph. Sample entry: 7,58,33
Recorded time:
5,50,03
